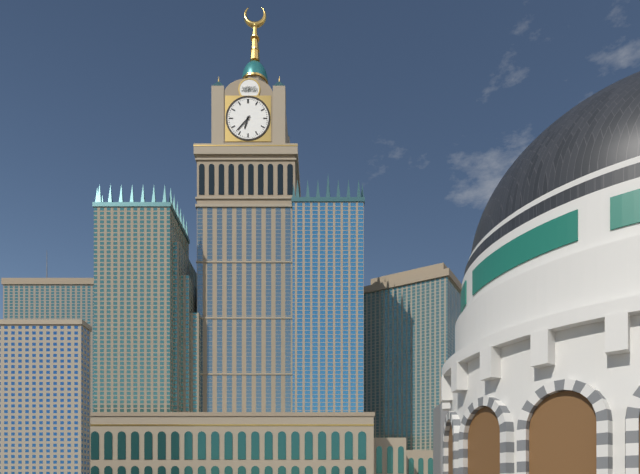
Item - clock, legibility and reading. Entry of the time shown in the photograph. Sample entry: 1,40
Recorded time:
6,37
